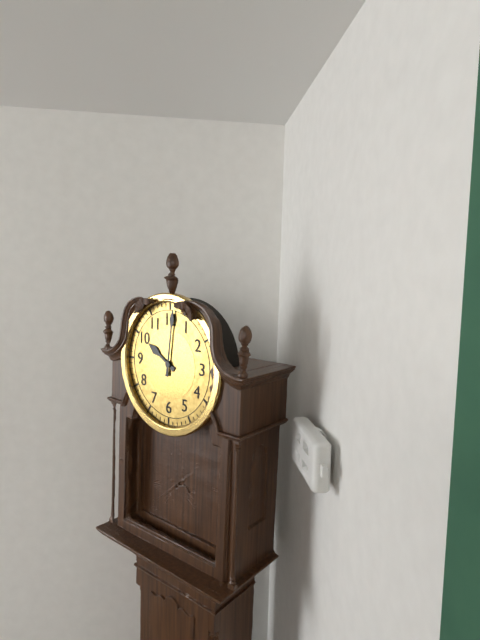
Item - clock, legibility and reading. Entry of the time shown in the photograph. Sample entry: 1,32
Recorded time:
10,01
